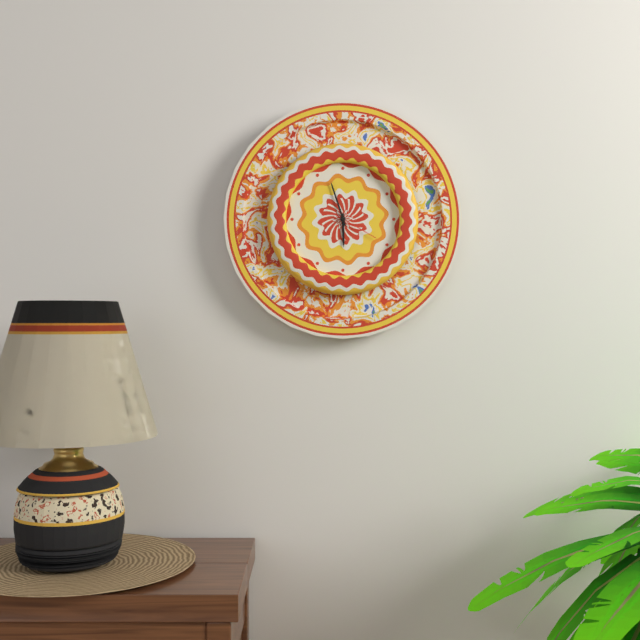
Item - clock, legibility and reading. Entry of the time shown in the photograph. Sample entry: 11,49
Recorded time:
5,57
